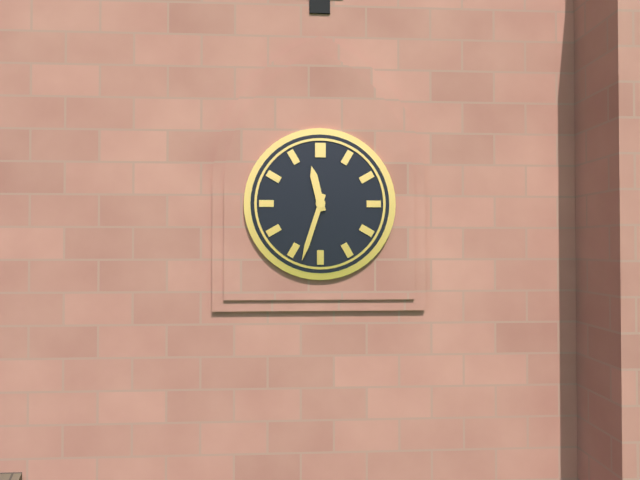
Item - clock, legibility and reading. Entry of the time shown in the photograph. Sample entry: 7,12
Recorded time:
11,33
